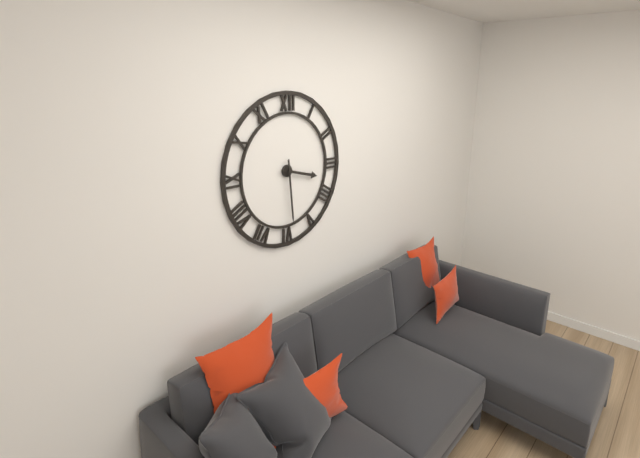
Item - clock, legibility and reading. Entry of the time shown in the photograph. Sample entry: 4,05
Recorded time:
3,29
